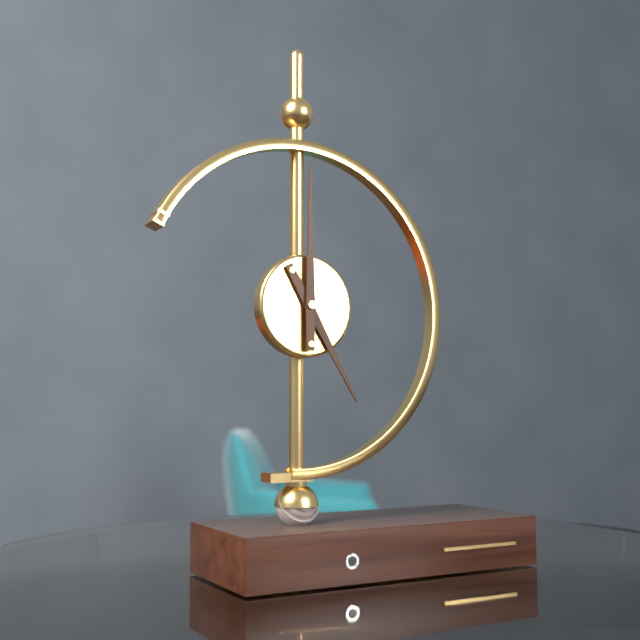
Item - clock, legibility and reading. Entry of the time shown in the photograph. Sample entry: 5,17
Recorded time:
5,00
